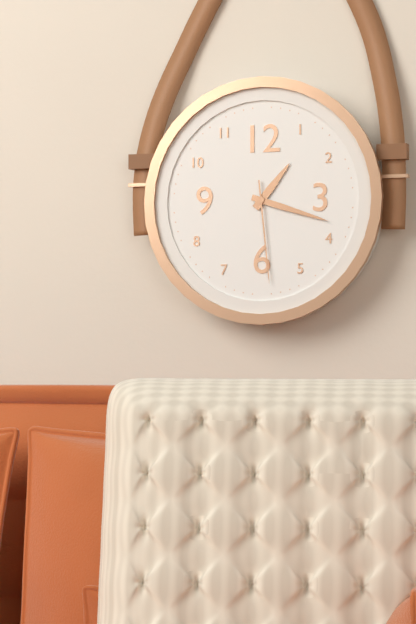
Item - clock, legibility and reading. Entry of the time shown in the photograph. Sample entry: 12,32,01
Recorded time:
1,18,29
